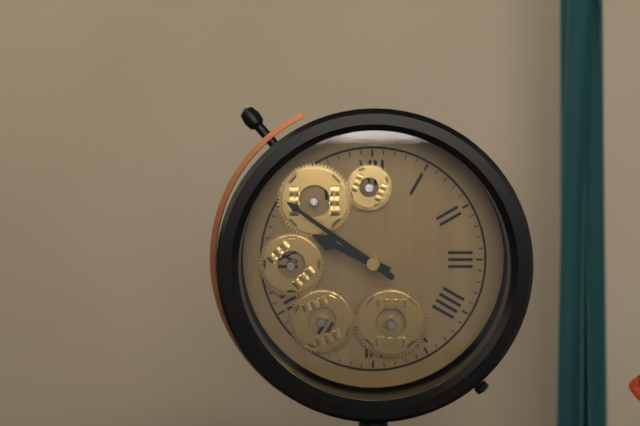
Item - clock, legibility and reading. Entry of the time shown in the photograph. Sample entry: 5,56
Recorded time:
9,51
